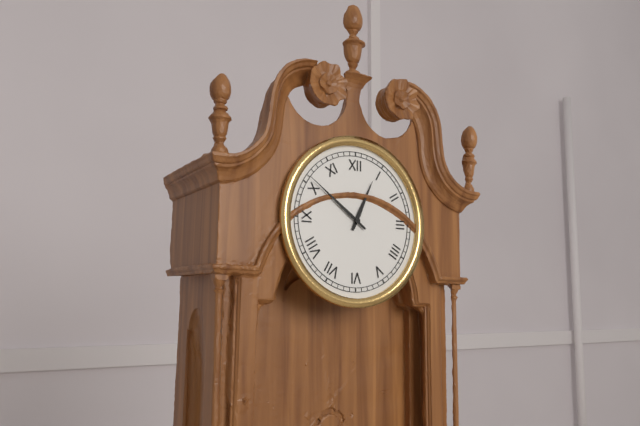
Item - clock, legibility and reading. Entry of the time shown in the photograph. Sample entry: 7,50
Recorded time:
12,51
